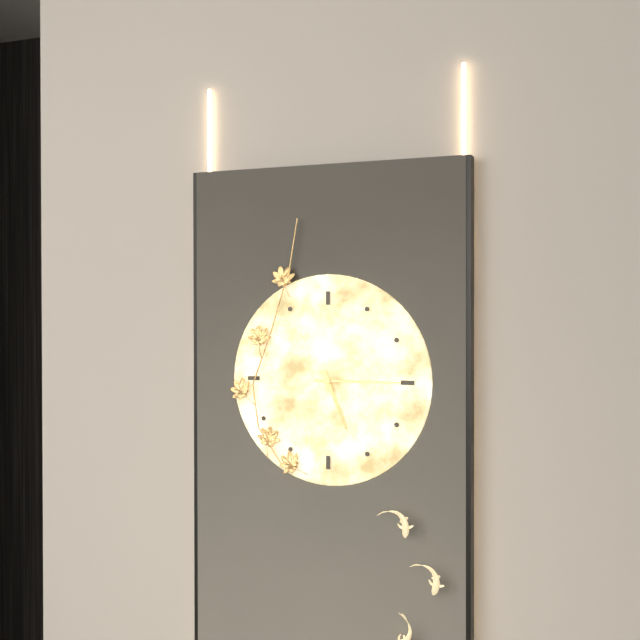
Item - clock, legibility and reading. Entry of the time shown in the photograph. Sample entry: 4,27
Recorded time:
5,15
